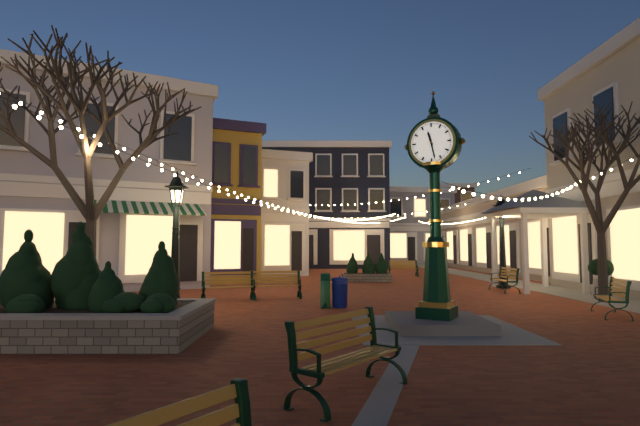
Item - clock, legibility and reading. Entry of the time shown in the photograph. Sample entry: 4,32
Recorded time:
11,28
